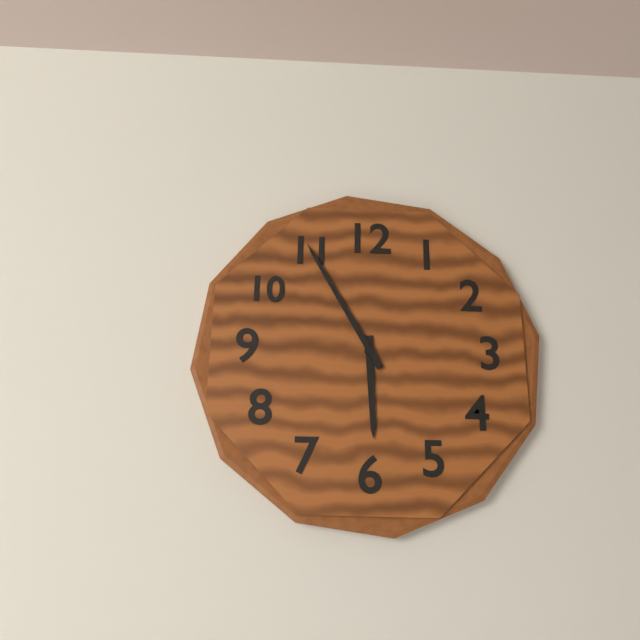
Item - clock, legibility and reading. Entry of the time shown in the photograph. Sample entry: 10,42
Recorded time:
5,55
